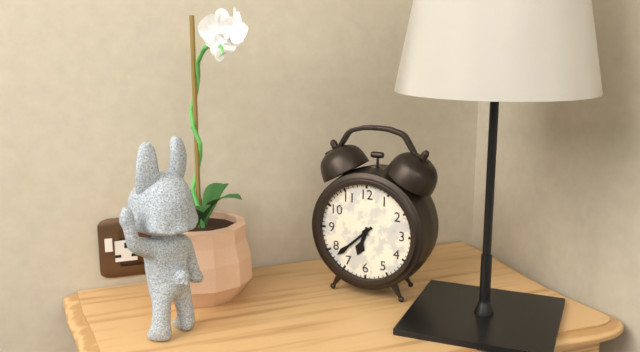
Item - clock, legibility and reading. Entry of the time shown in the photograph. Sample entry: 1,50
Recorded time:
6,38
